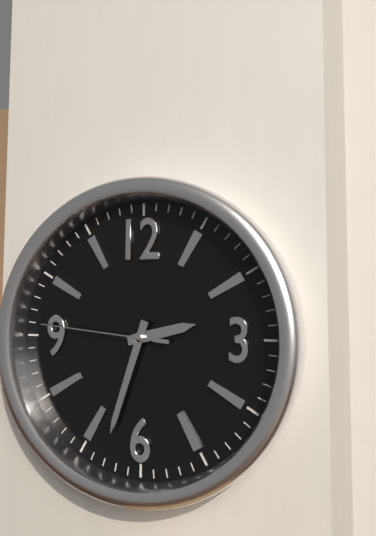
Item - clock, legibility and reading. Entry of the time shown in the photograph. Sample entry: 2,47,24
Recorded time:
2,33,46
